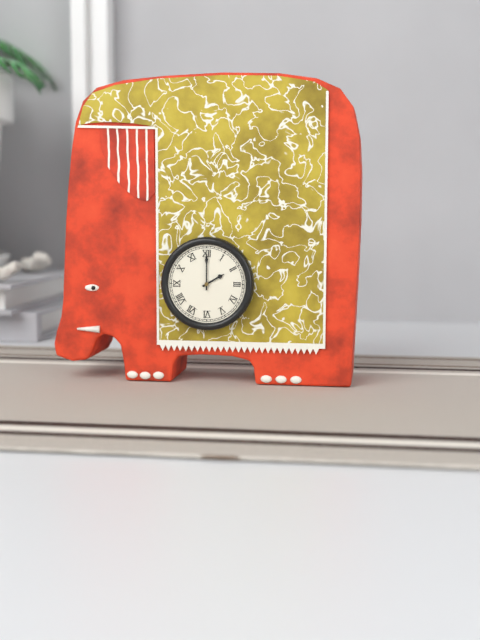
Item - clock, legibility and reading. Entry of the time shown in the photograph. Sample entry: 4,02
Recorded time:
2,00
